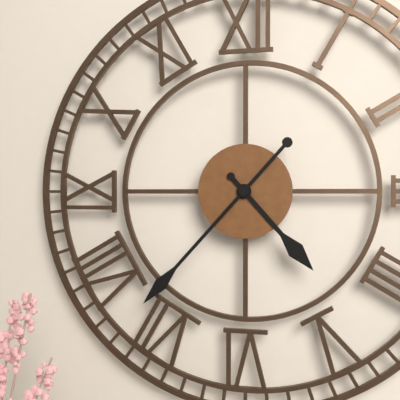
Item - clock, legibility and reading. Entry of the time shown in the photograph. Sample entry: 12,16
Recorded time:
4,37
